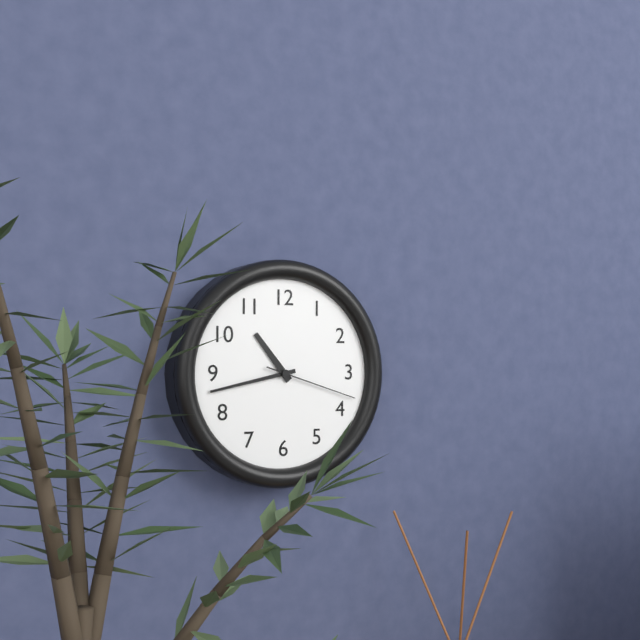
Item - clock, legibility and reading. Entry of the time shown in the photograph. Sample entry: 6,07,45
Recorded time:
10,43,18
